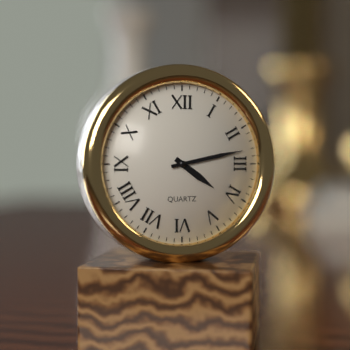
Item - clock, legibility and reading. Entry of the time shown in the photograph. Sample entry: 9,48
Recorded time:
4,13
